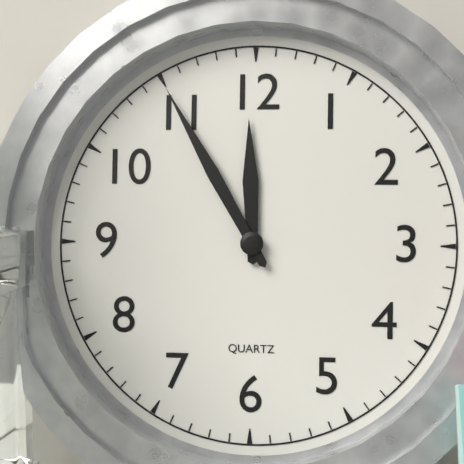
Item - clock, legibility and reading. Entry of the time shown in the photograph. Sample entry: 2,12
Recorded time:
11,55
